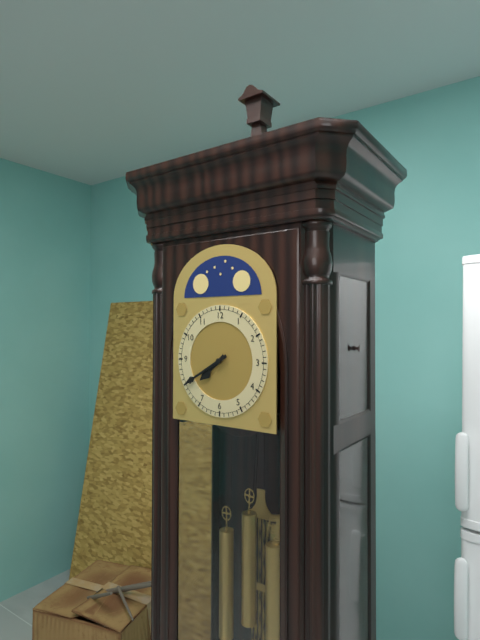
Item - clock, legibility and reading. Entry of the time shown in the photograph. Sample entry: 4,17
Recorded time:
7,40
